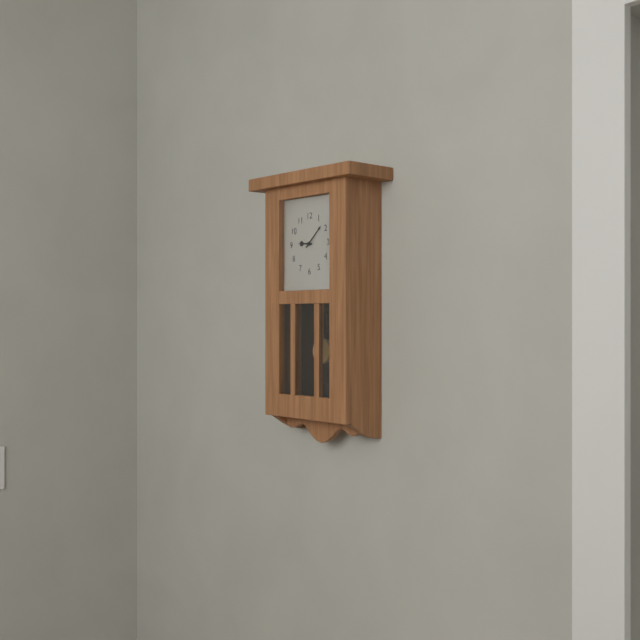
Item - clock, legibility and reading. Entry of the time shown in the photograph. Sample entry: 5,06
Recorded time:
9,08
